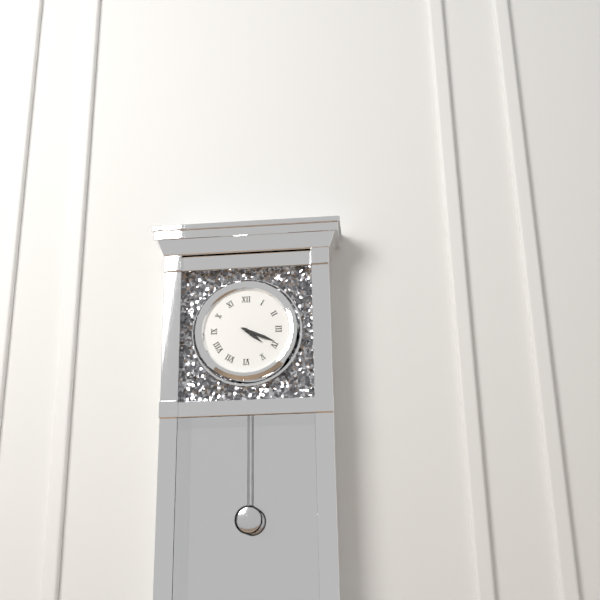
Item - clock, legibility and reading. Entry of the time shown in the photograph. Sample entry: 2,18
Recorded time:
4,19
